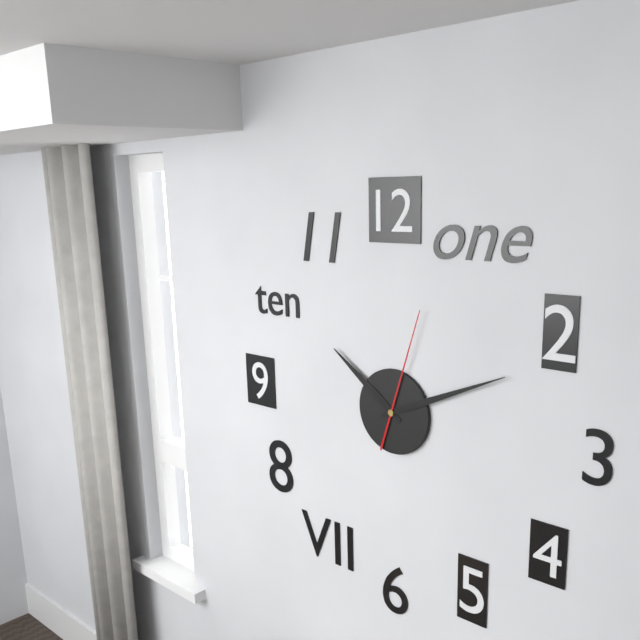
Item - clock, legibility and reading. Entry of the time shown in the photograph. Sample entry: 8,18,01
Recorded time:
10,11,03
